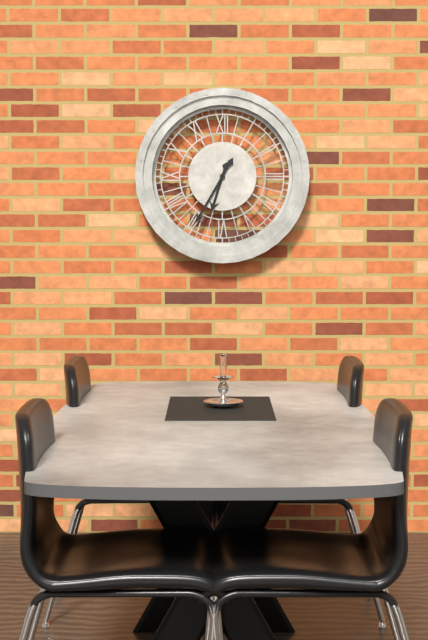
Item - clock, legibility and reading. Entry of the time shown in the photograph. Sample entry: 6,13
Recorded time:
6,35
